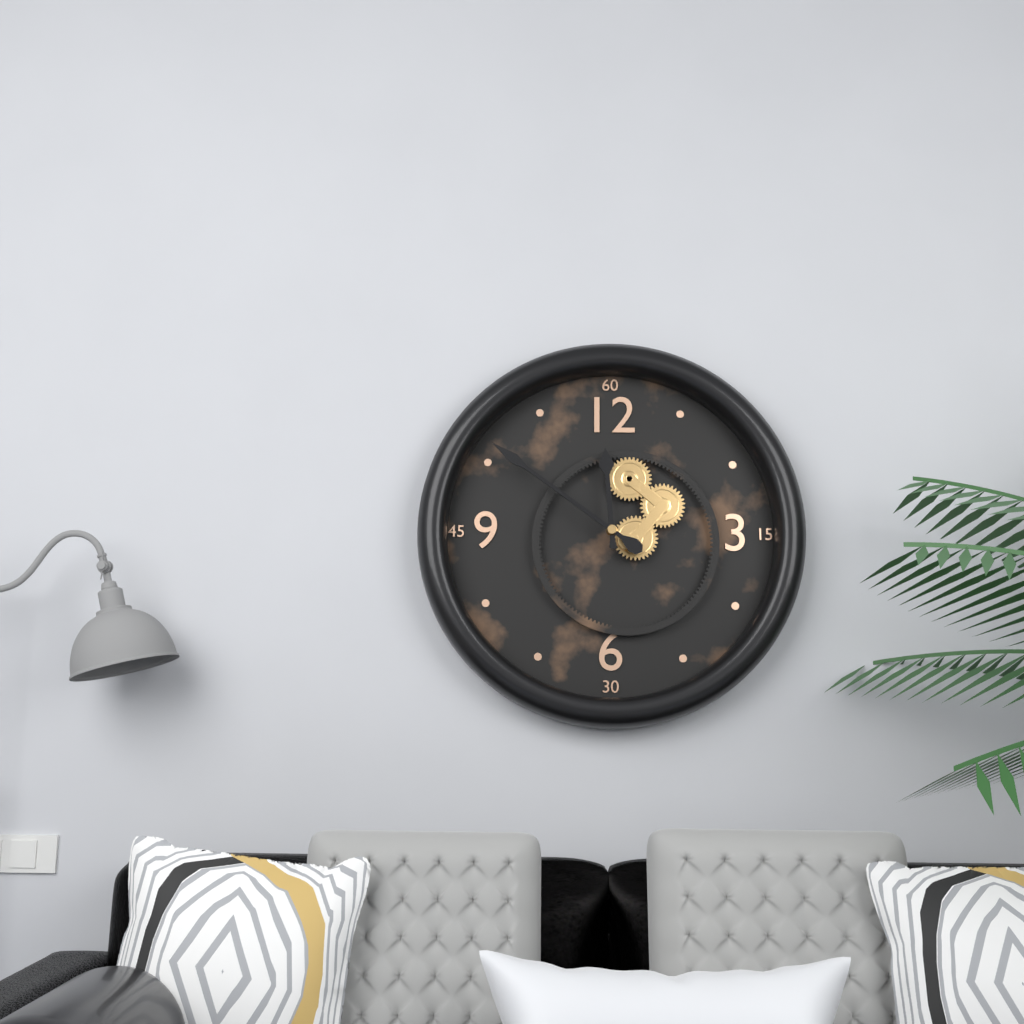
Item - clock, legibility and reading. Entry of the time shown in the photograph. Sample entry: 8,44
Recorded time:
11,51
